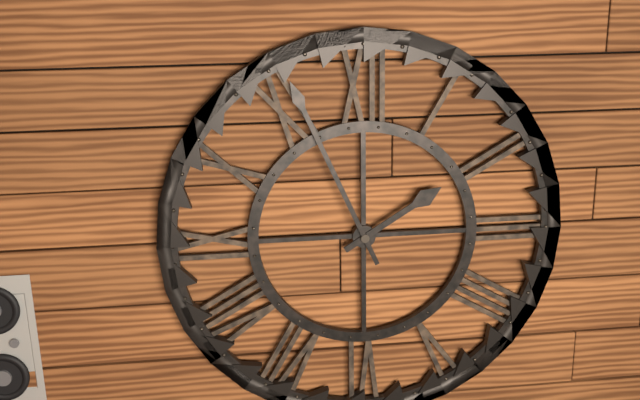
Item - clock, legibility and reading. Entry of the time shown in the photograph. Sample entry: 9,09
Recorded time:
1,56
